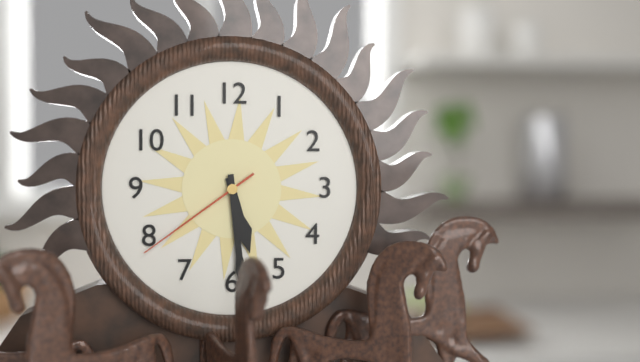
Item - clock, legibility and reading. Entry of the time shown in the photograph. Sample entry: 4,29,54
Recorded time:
5,29,39
